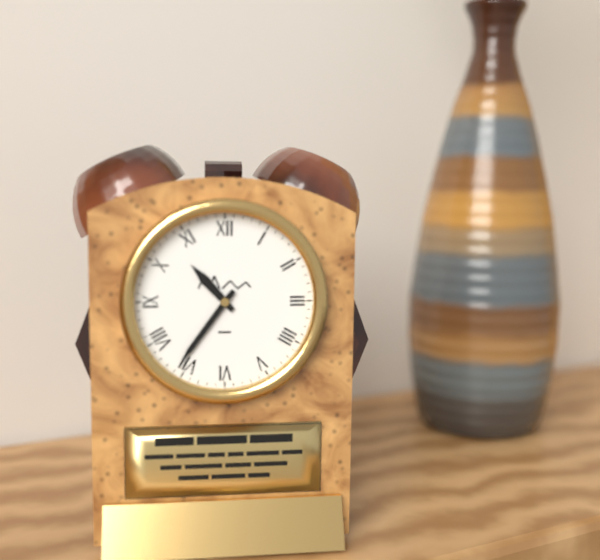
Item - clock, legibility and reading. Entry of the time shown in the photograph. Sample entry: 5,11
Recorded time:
10,36
